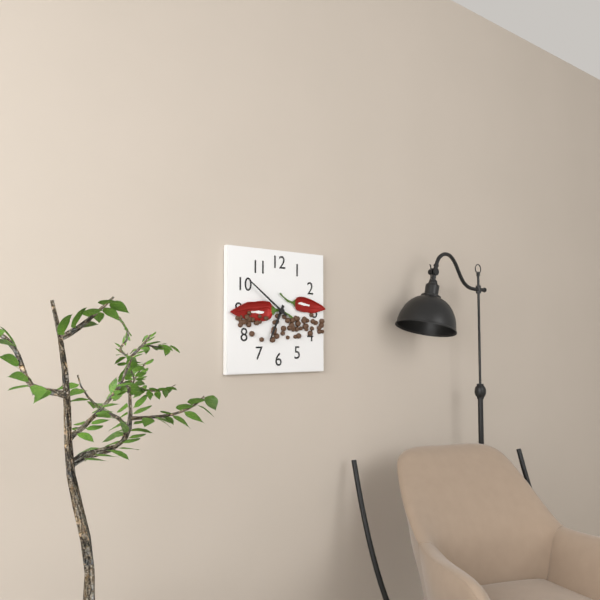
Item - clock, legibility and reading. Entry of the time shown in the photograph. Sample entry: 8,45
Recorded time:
6,51
